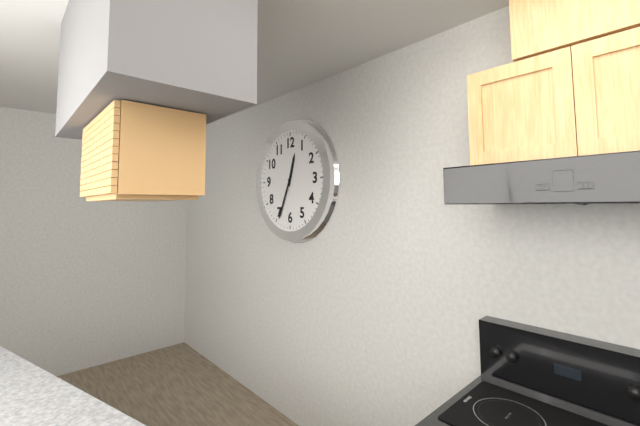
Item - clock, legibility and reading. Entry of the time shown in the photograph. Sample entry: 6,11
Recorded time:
12,34
